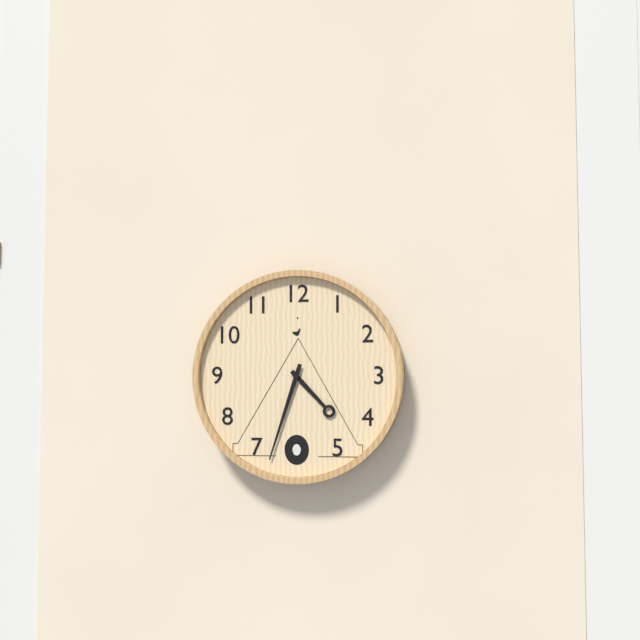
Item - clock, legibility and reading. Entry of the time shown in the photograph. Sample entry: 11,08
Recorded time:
4,33
